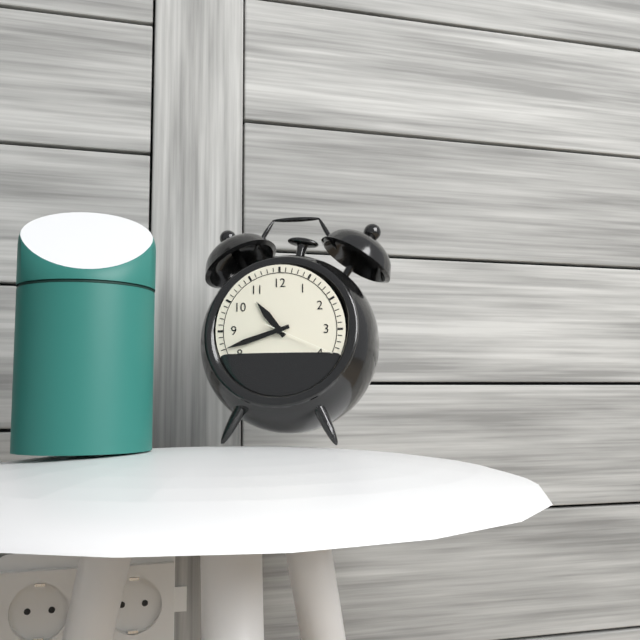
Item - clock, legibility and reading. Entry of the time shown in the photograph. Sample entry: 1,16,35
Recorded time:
10,42,19
